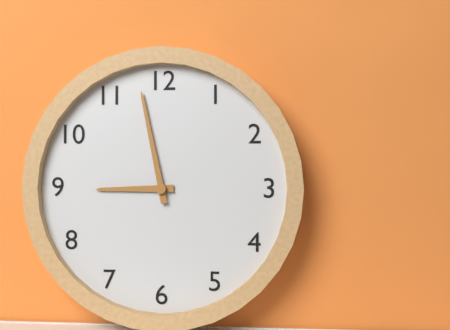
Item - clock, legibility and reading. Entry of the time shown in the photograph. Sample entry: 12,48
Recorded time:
8,58
